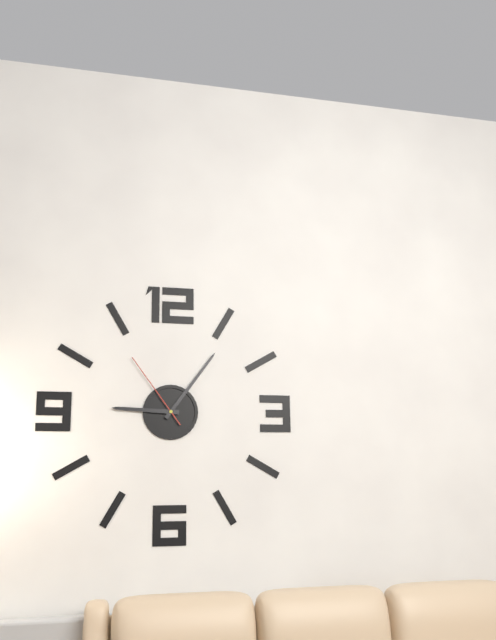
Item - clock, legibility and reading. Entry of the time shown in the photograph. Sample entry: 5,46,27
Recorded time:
9,06,54
